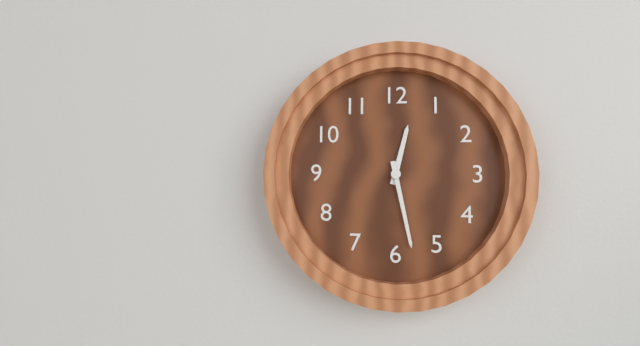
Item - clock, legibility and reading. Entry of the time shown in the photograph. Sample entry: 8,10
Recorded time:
12,28
